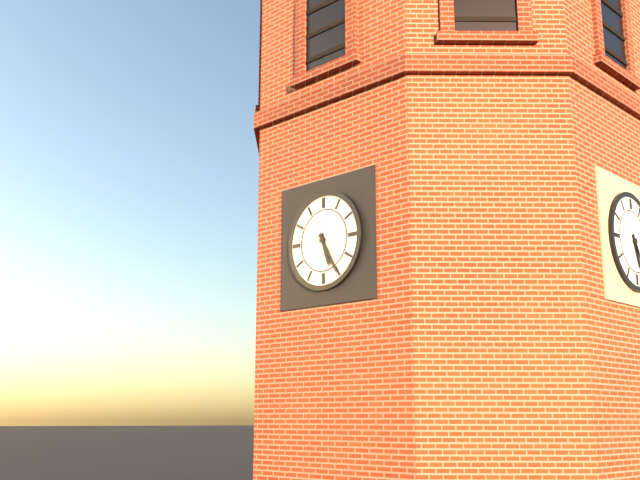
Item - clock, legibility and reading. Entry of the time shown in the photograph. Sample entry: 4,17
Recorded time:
5,25
